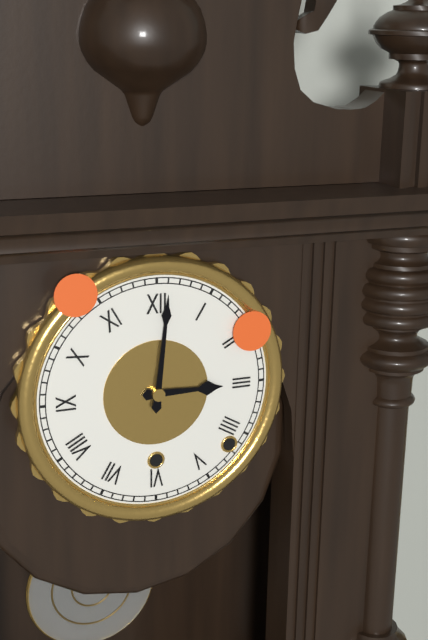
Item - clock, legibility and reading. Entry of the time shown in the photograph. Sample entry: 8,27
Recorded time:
3,01
